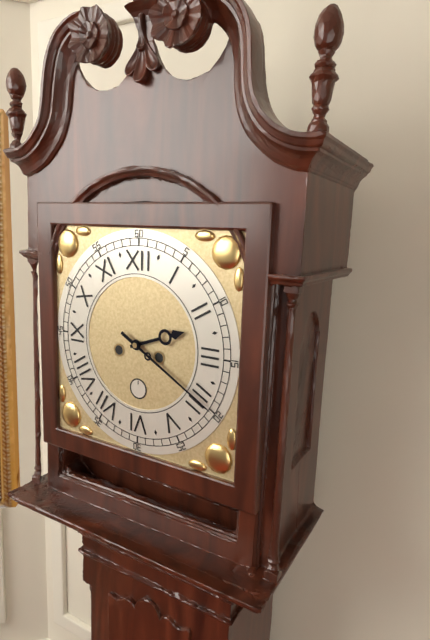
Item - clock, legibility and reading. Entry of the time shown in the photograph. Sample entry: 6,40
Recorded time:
2,20
